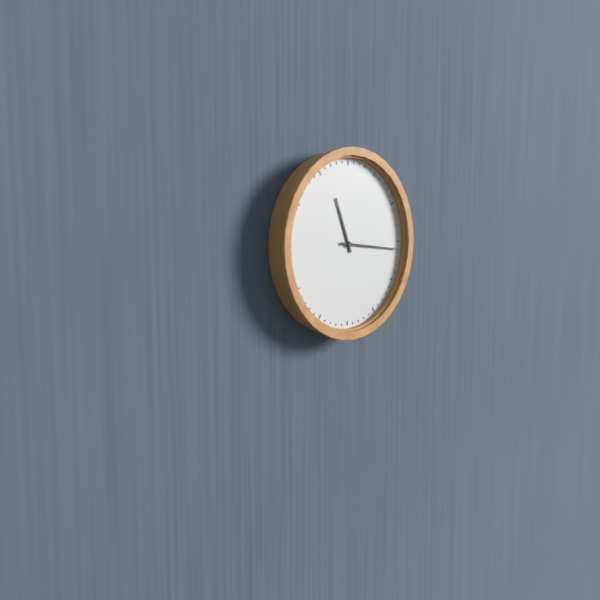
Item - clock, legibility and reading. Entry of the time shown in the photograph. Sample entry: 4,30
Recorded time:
11,16
